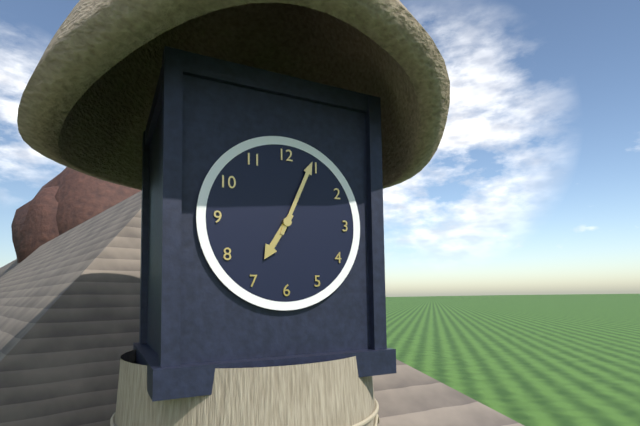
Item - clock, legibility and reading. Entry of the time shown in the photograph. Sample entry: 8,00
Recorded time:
7,04
